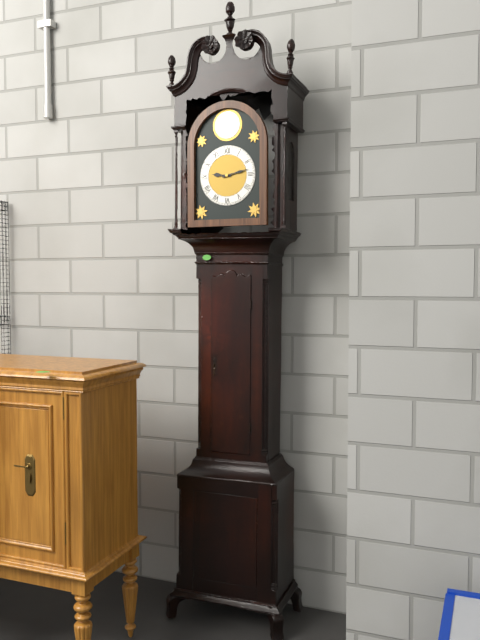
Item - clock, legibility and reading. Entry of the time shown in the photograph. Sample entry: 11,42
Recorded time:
9,13
